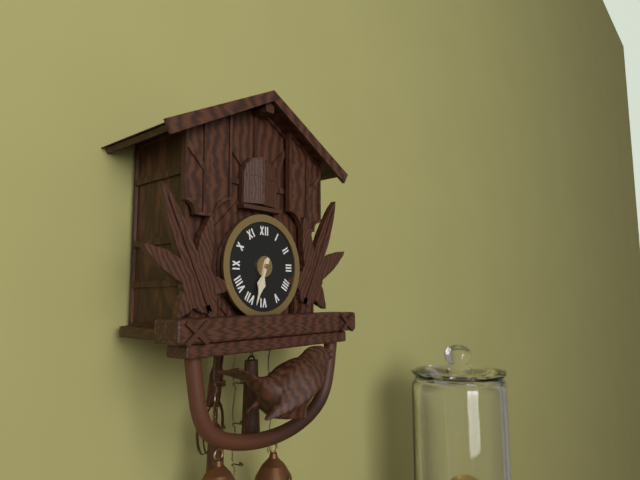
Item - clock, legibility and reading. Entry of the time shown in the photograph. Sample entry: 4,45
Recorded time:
6,33
